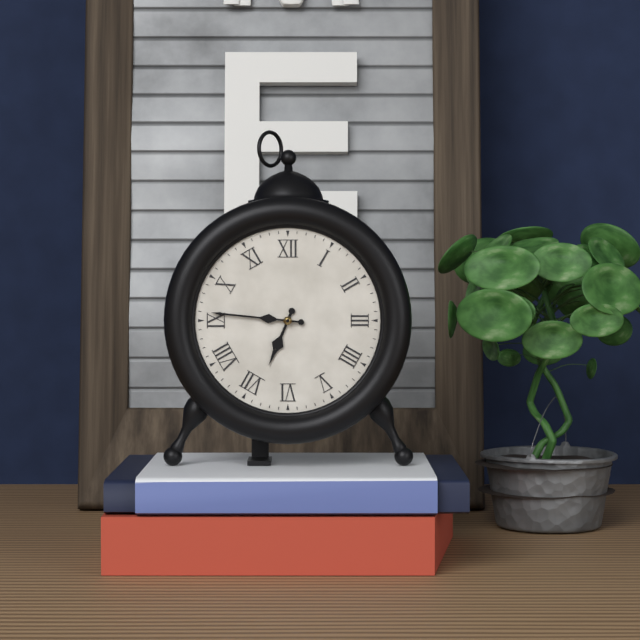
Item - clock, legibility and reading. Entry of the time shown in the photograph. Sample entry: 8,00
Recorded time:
6,46
